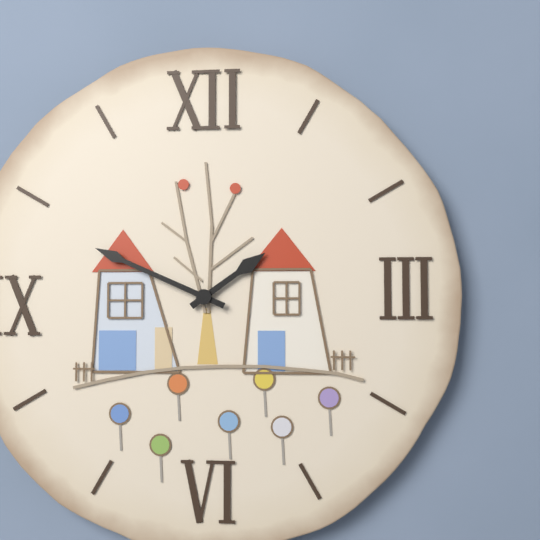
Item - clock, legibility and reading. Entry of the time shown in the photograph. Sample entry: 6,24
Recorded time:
1,49
